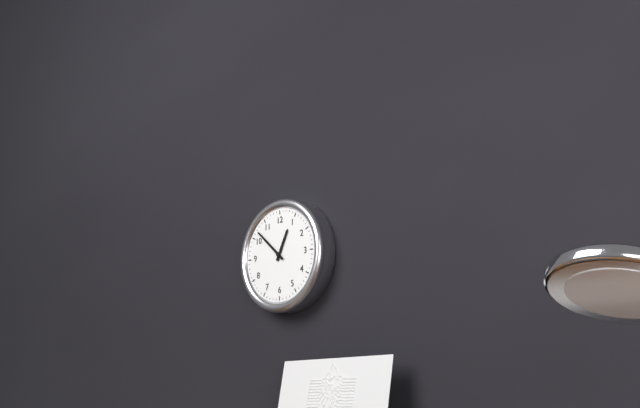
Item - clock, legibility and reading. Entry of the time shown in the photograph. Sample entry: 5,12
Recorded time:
12,52
